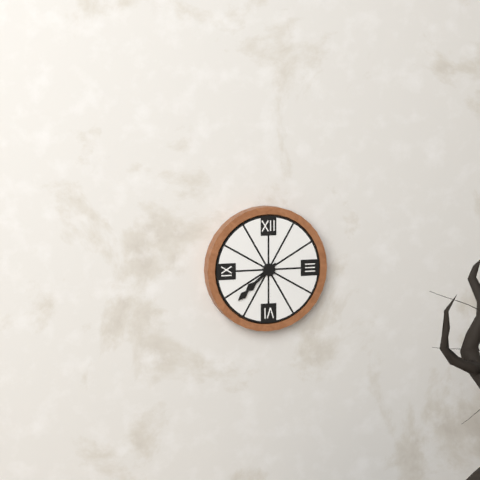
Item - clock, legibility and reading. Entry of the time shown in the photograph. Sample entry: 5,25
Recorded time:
7,38
